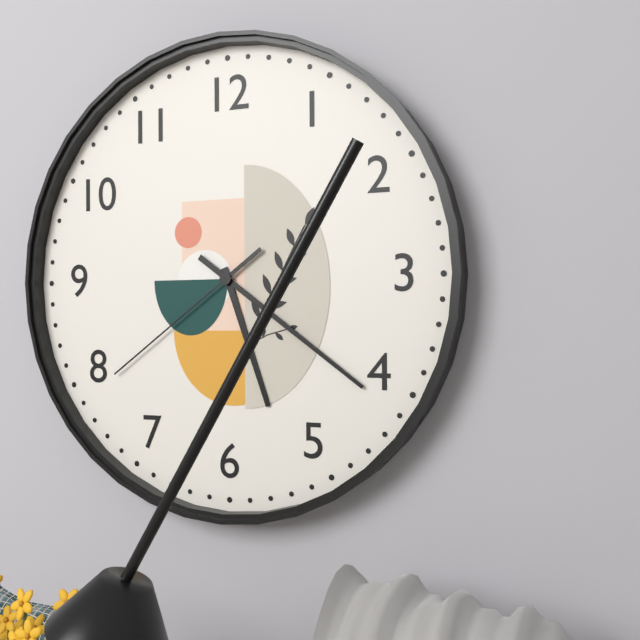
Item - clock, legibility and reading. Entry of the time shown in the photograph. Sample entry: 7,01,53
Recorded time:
5,21,39
